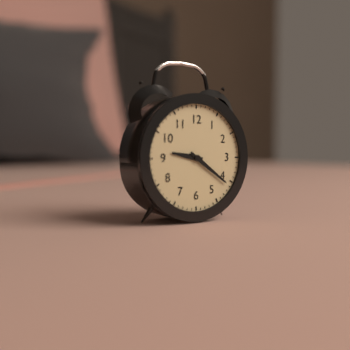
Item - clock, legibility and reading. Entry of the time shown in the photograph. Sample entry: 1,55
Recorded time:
9,21
